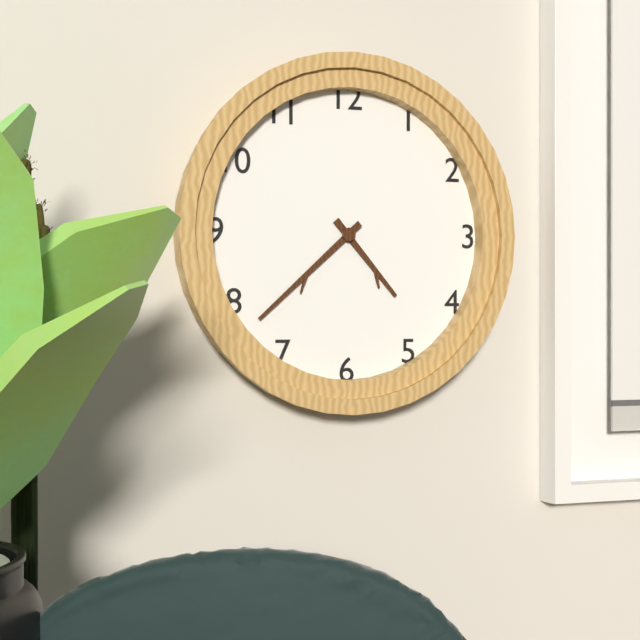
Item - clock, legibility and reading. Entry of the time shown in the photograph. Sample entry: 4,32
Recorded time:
4,38
